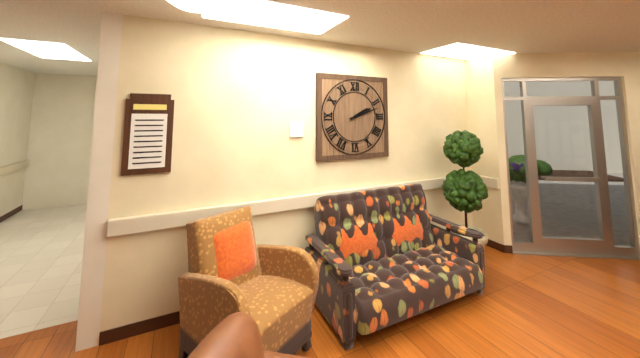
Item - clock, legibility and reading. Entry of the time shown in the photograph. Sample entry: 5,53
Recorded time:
2,12
